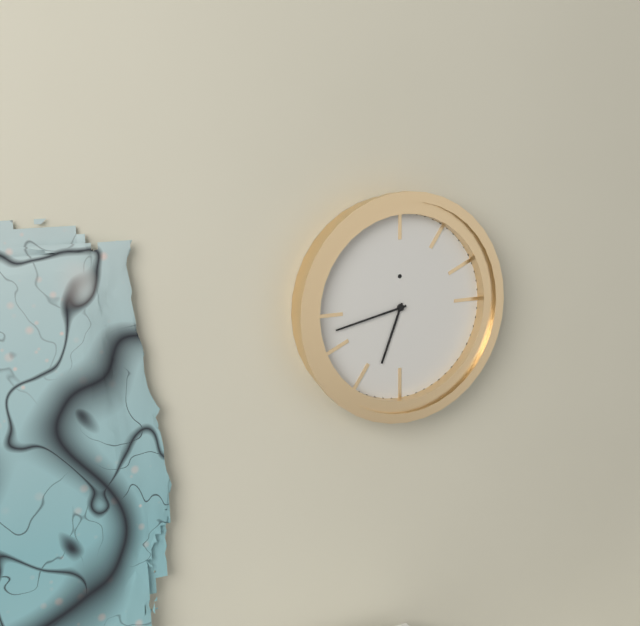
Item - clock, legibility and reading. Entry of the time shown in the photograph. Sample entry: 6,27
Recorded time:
6,43
